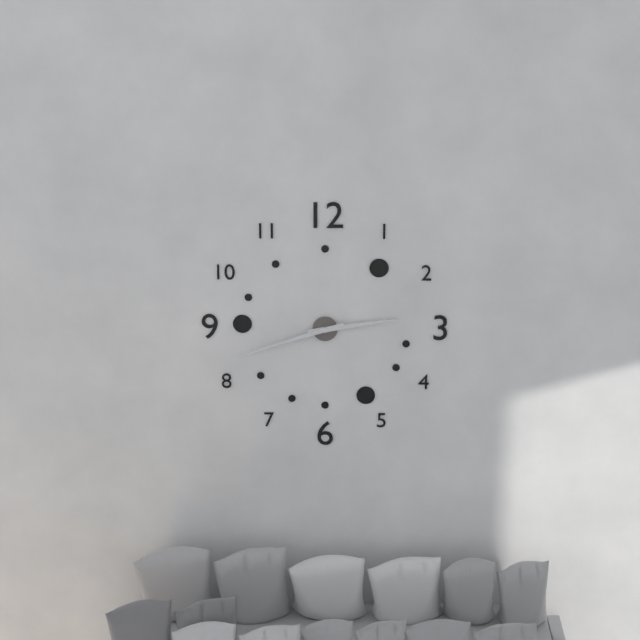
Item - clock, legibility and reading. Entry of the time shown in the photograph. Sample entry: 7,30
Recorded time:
2,42
